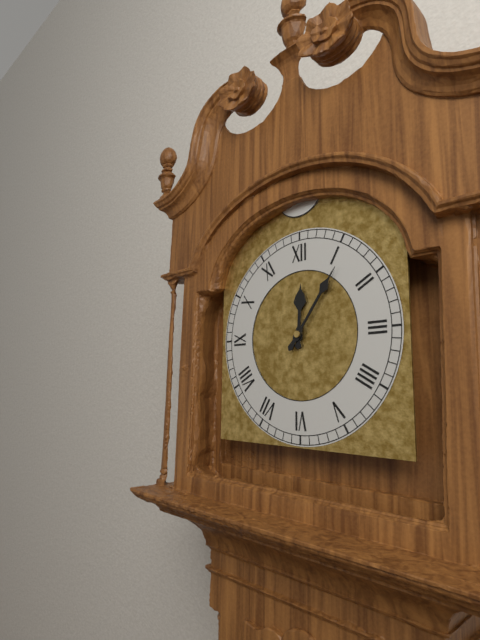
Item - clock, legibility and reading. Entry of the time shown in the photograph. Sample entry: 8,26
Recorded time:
12,06
